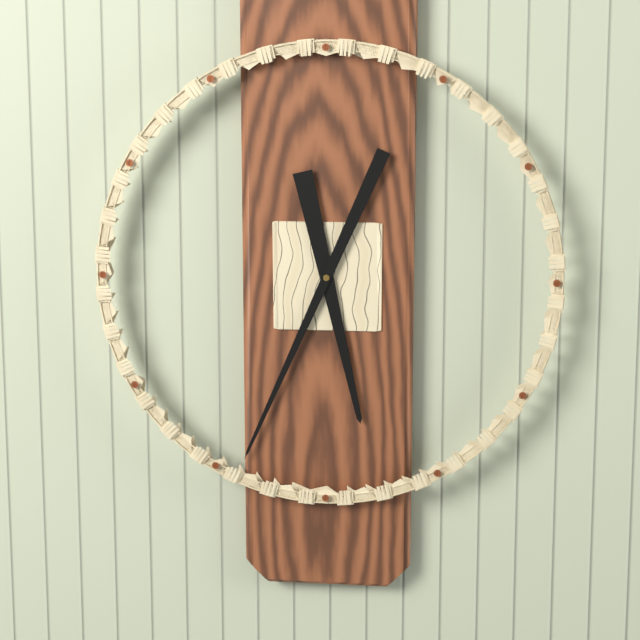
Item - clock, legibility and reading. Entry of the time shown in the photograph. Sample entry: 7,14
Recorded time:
5,34
